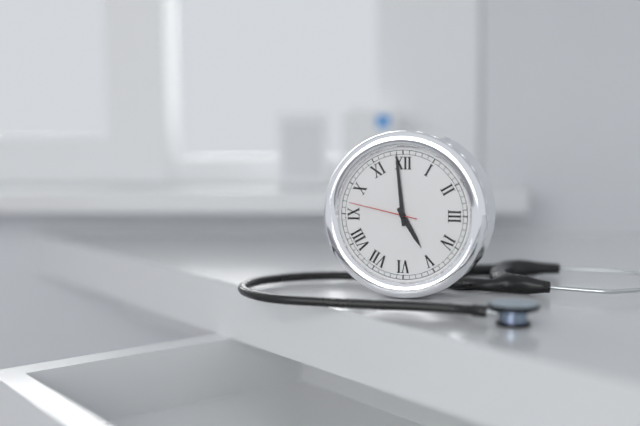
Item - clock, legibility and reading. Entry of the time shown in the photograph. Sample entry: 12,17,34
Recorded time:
4,59,47
